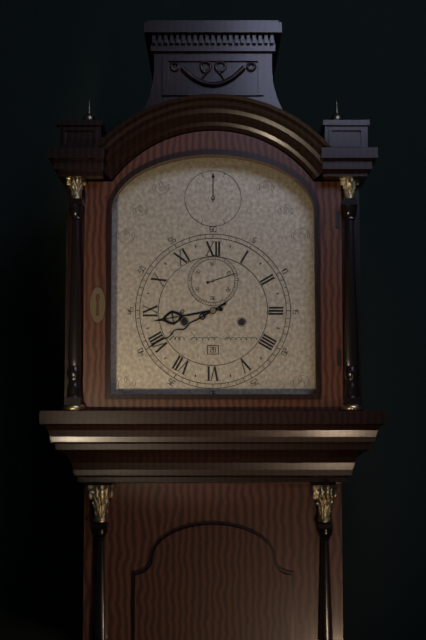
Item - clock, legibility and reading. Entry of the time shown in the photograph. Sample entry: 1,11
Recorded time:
8,40
